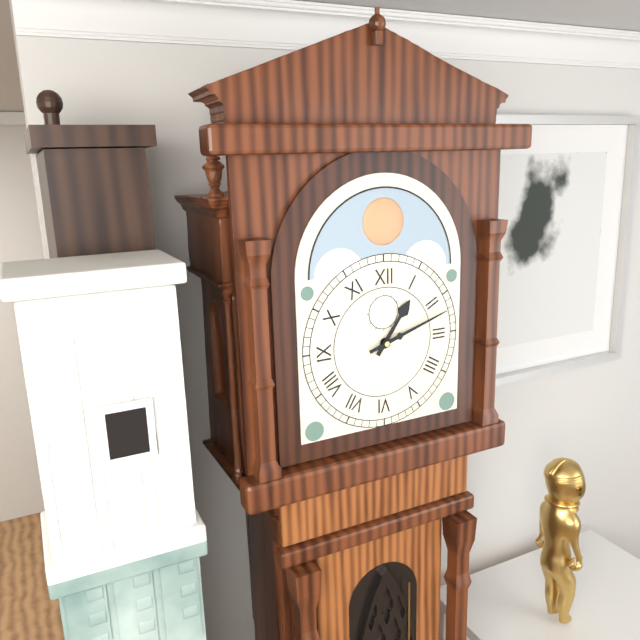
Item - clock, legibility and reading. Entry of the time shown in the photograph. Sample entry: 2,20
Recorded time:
1,12
